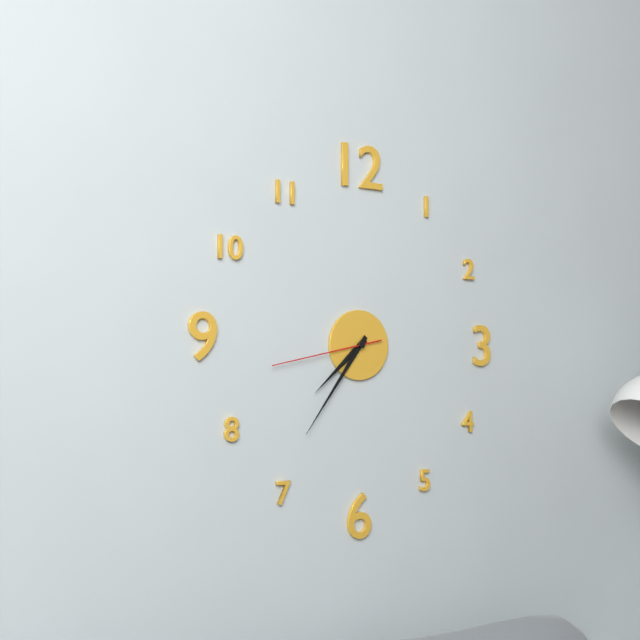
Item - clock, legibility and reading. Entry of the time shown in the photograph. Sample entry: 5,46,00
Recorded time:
7,36,43
